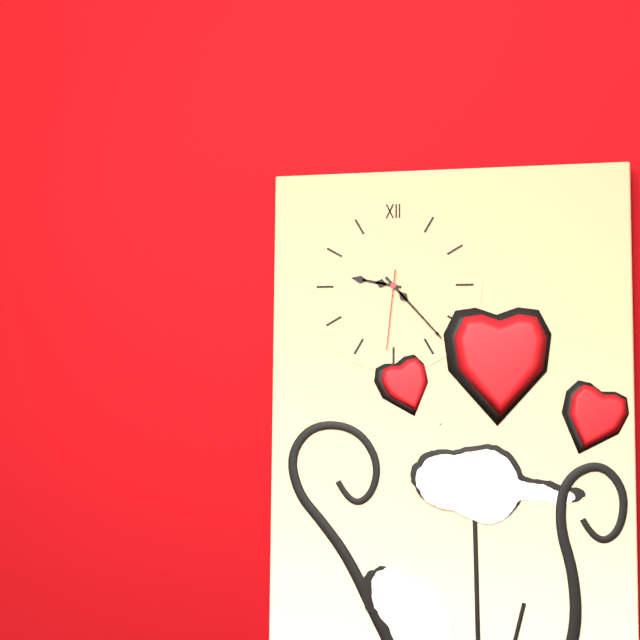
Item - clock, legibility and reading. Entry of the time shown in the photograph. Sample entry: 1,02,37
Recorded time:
9,23,31
